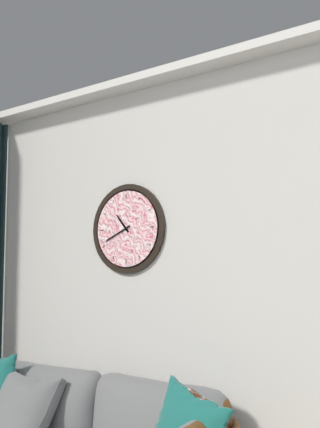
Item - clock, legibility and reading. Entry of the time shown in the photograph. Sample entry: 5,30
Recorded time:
10,41
